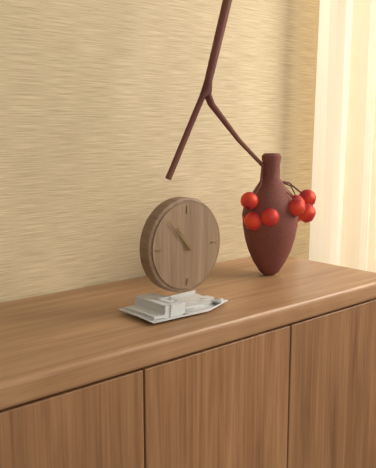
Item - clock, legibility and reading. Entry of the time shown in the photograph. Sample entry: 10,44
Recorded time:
10,53
